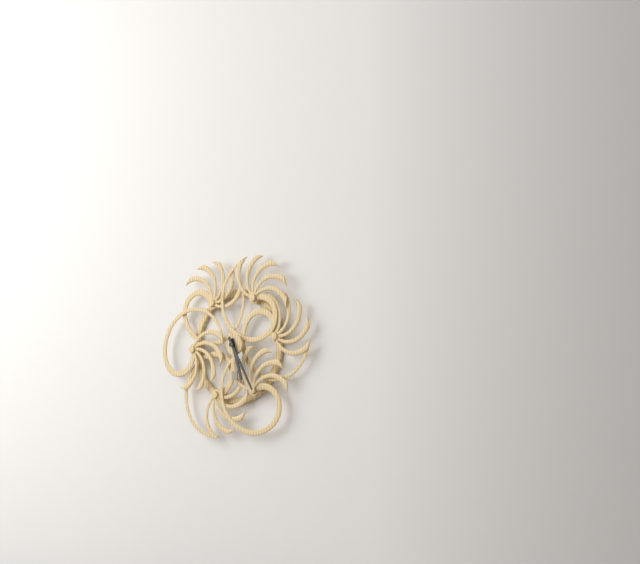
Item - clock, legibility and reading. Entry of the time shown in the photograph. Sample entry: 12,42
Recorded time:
5,25
